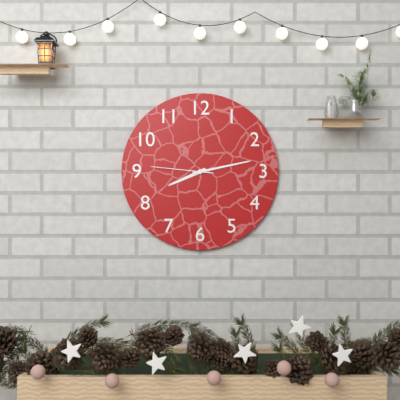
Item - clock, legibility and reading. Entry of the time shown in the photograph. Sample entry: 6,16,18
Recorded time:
8,13,46
